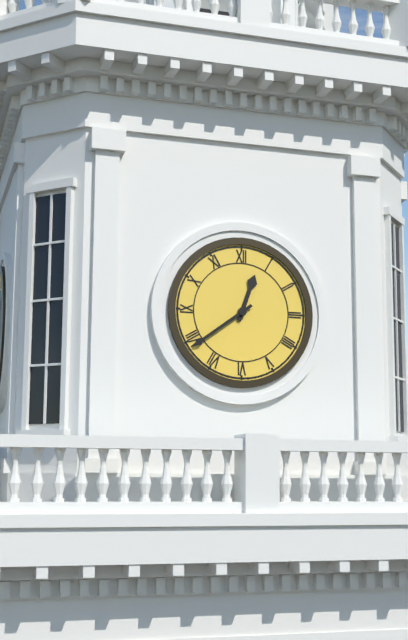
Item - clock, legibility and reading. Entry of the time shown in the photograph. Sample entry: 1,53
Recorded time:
12,39
